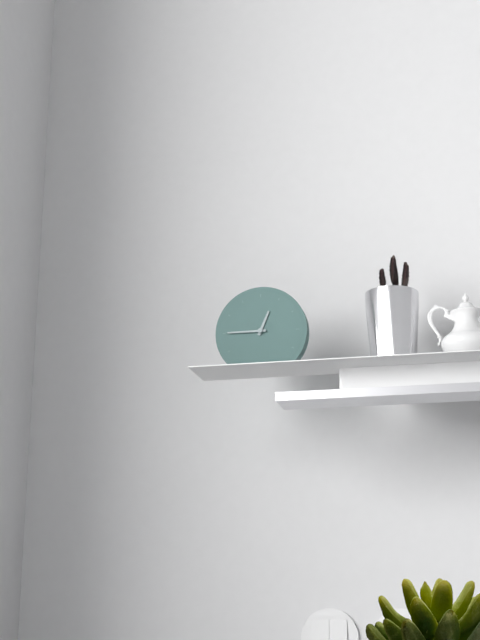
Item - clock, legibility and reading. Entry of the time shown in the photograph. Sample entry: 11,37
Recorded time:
12,45
